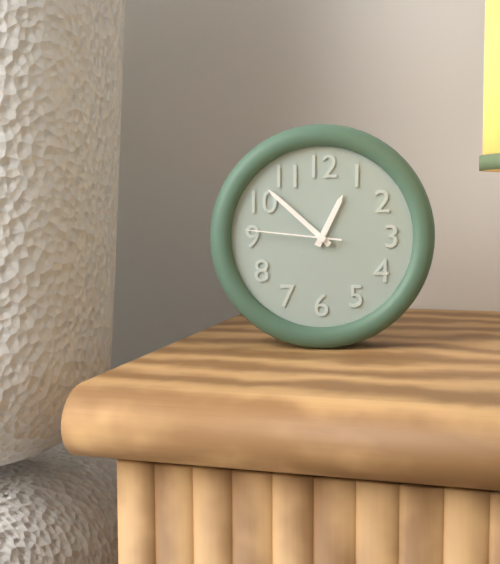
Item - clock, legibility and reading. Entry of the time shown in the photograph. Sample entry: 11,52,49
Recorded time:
12,52,46
